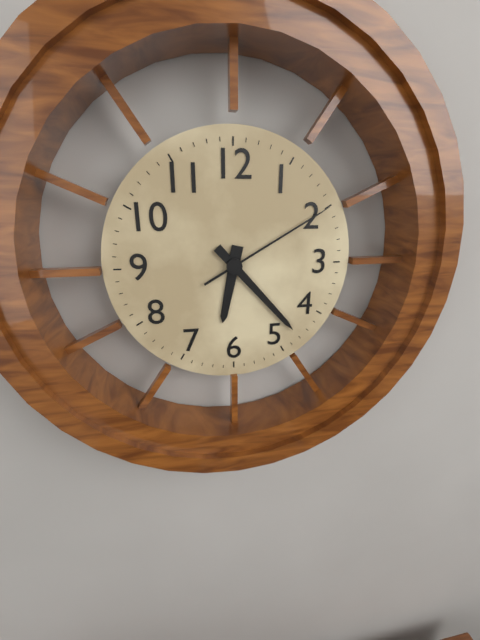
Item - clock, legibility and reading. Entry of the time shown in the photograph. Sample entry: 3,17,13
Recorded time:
6,23,10
